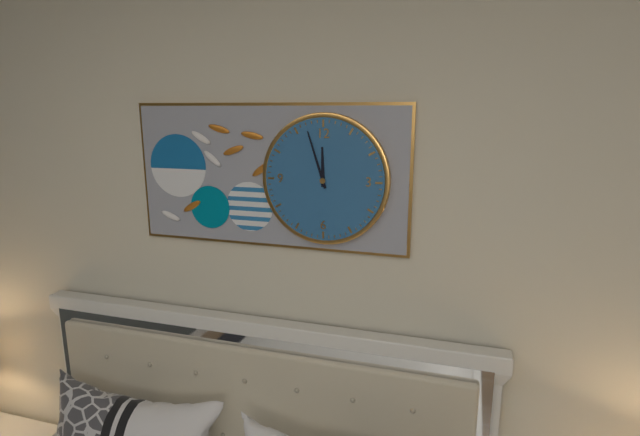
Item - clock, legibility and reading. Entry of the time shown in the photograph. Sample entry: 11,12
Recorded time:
11,57
